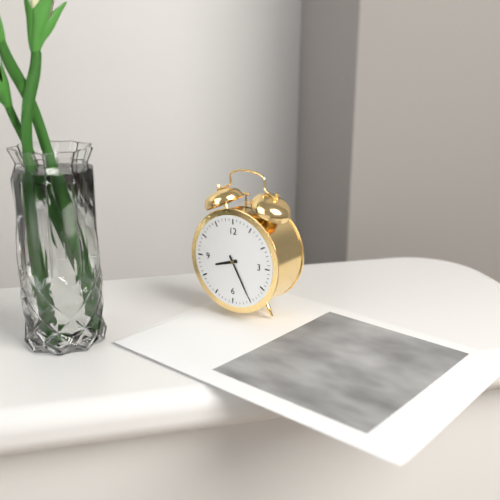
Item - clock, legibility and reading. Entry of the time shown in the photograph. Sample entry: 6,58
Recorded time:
8,25
